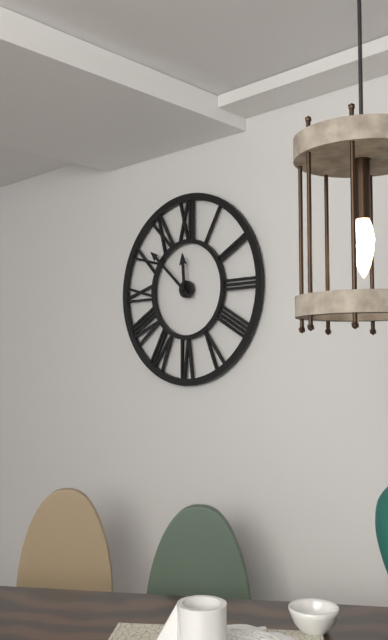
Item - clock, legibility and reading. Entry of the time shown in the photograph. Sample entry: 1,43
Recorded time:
11,52
